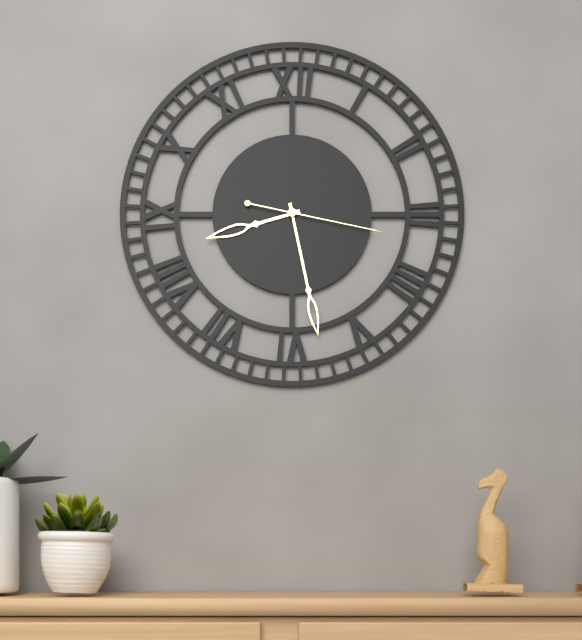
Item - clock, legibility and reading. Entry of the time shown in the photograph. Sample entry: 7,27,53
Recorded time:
8,28,17
